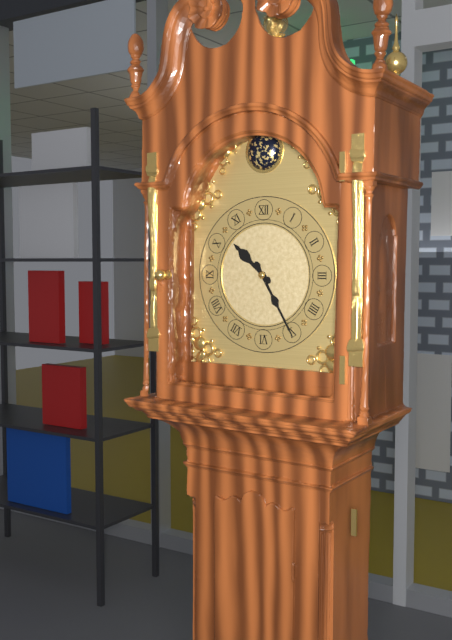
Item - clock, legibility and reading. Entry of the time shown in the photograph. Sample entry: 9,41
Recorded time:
10,25
